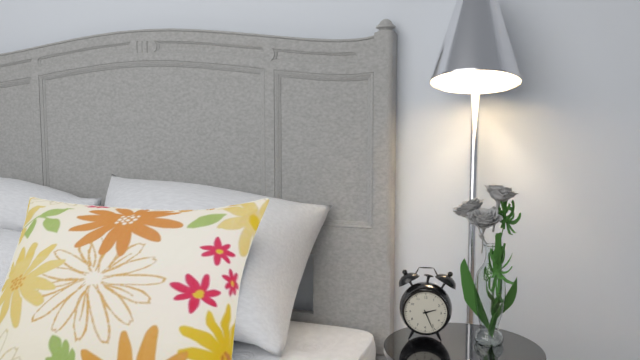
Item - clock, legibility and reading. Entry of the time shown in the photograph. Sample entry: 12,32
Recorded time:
2,26
